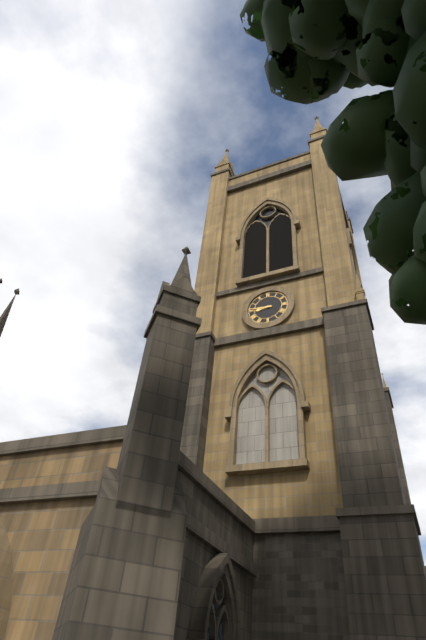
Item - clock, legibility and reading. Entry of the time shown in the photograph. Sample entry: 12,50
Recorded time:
8,46
